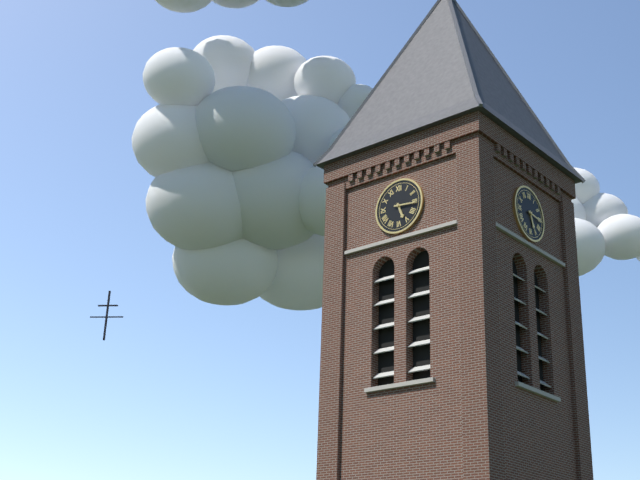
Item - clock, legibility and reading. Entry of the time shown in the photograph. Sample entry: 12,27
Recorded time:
5,16
